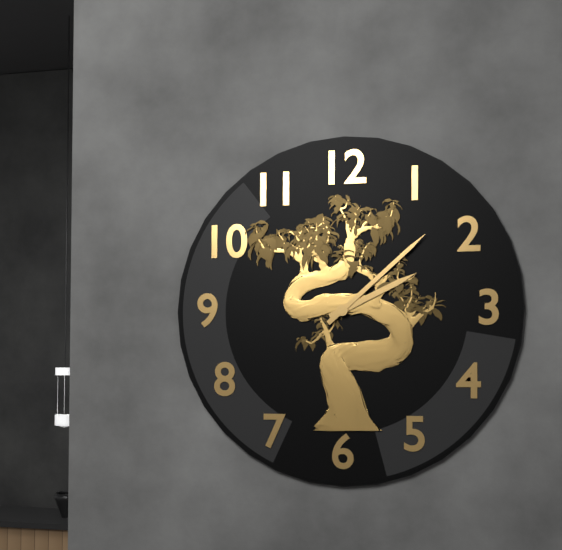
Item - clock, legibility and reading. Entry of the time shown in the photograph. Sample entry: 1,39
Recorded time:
2,08
